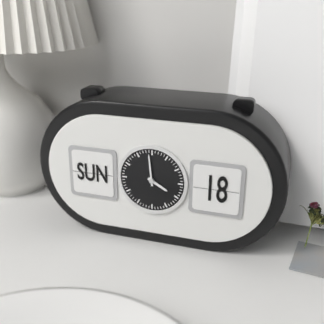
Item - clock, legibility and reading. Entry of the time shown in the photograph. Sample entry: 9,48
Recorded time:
3,59
